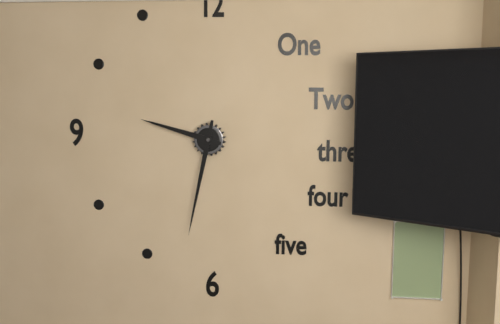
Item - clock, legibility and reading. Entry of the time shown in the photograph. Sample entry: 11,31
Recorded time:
9,32
